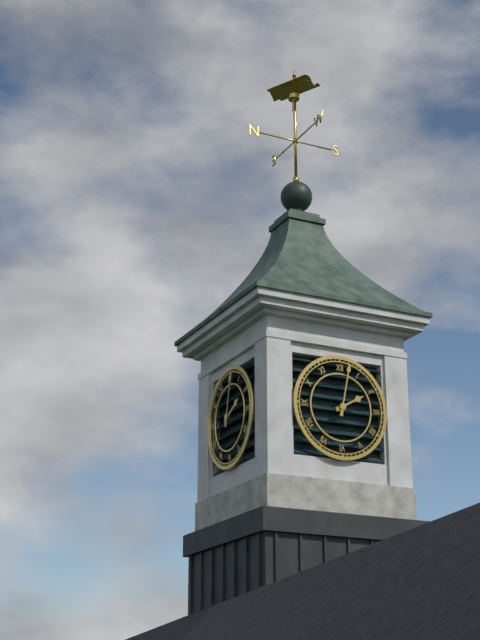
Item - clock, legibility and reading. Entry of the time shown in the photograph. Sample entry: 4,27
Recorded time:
2,02
